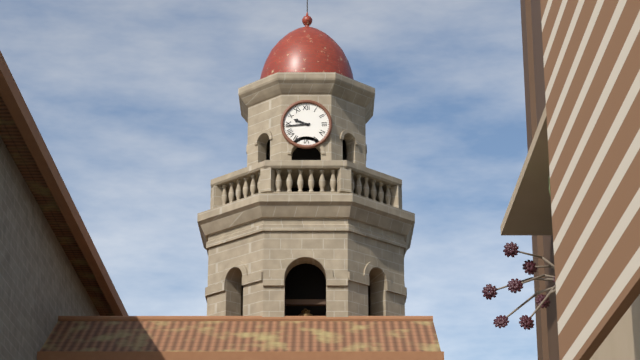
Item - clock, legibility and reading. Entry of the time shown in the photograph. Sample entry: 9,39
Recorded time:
9,44
